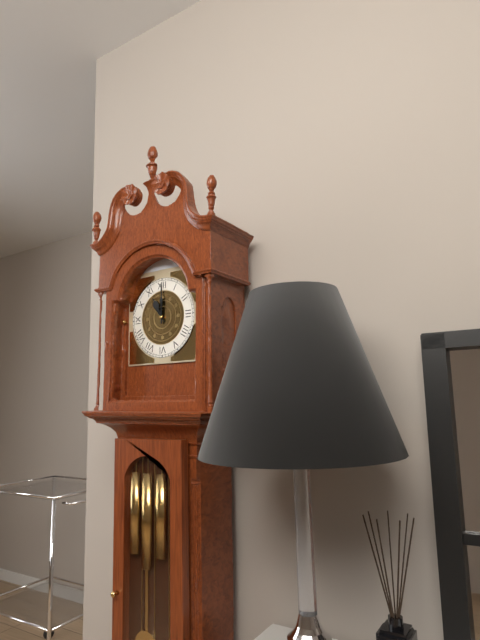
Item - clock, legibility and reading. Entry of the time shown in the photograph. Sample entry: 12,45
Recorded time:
11,00
